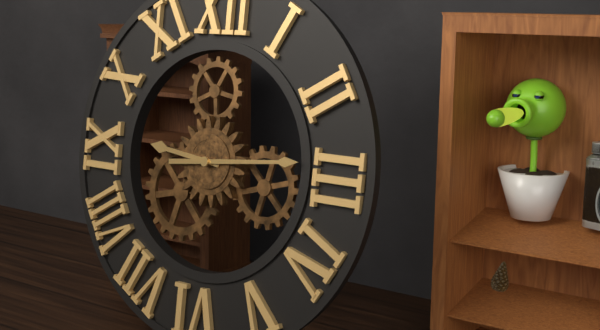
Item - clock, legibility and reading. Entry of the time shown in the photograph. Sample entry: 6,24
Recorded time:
9,14
